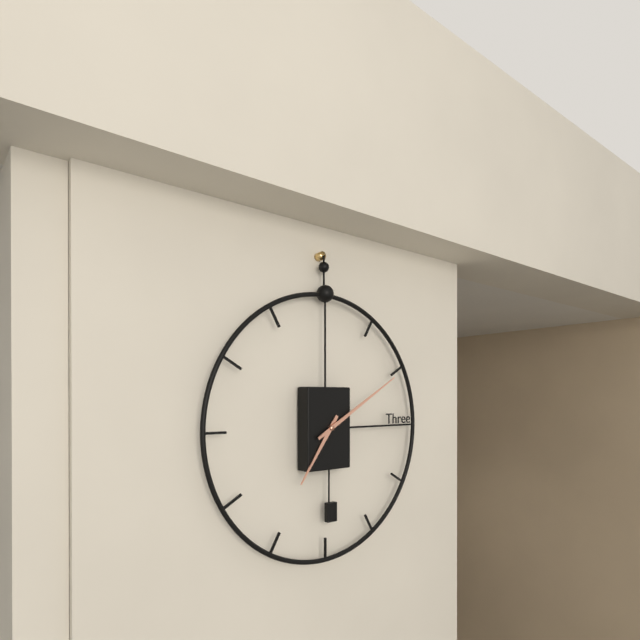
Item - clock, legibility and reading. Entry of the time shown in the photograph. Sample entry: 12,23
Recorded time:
7,10
